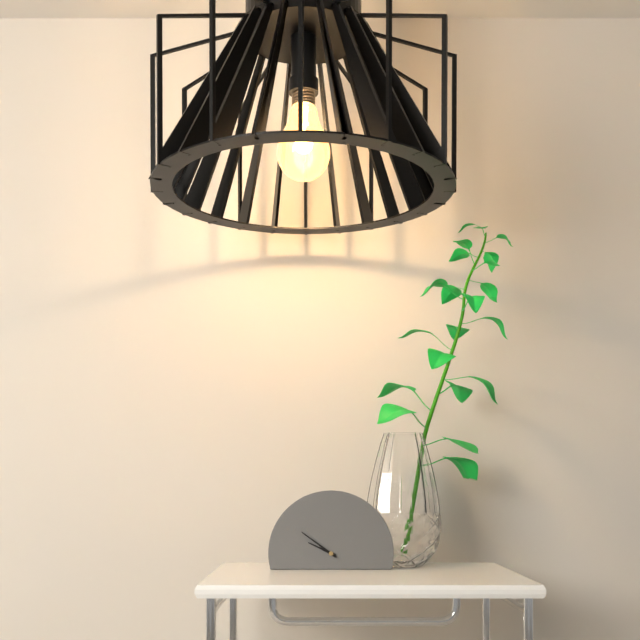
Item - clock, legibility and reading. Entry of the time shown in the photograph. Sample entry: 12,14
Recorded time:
9,51
